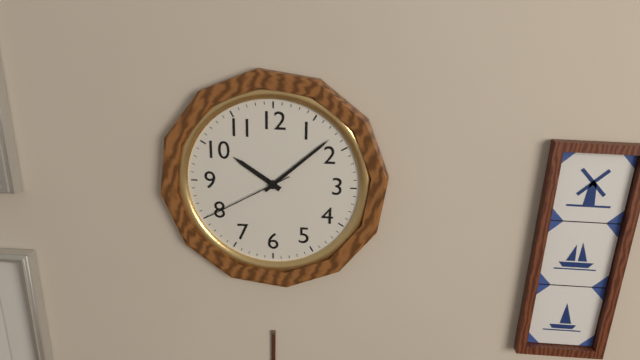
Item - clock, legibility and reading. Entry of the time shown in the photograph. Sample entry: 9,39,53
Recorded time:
10,08,40
